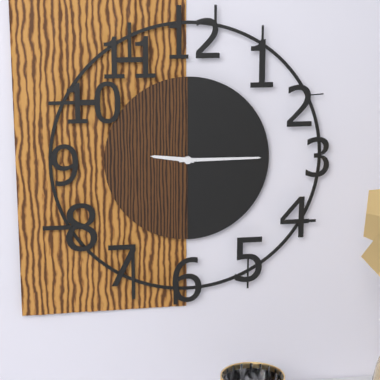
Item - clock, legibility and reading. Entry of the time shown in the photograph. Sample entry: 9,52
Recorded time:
9,15
